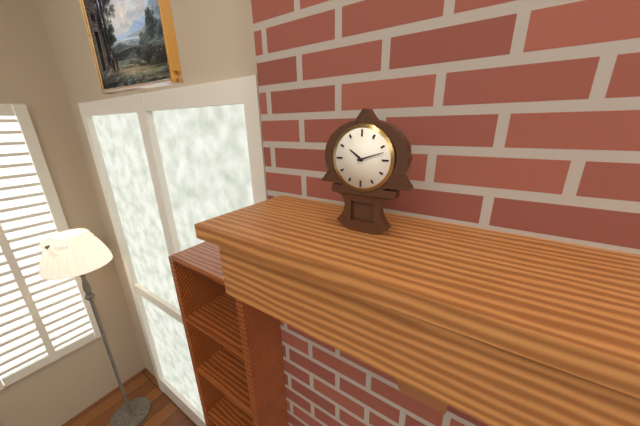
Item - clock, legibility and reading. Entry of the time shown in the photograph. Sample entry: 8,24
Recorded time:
10,12
